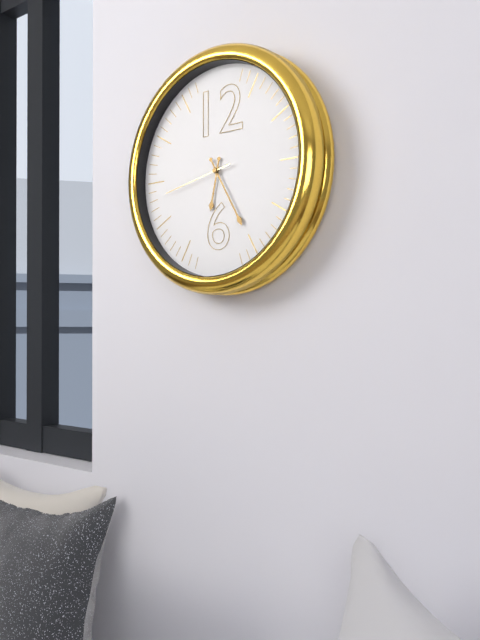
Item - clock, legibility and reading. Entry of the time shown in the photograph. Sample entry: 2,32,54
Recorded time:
6,25,43
